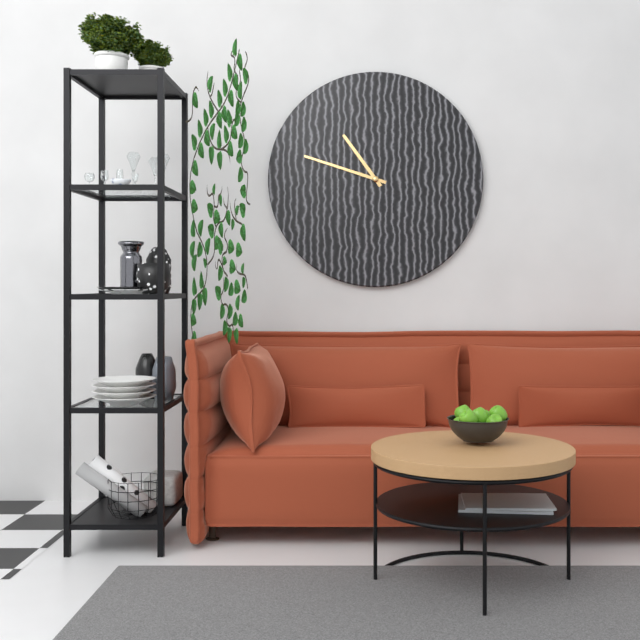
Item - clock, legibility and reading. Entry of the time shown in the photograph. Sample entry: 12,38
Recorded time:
10,48
